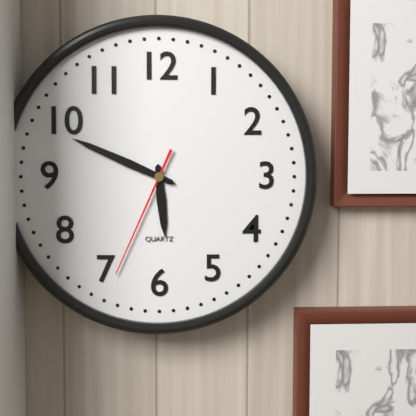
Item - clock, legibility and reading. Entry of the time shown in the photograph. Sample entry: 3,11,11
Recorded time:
5,49,34
